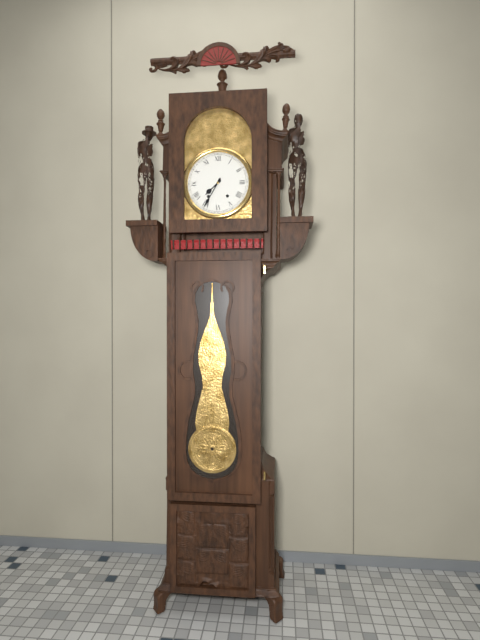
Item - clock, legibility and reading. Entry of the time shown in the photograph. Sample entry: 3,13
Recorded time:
7,35
